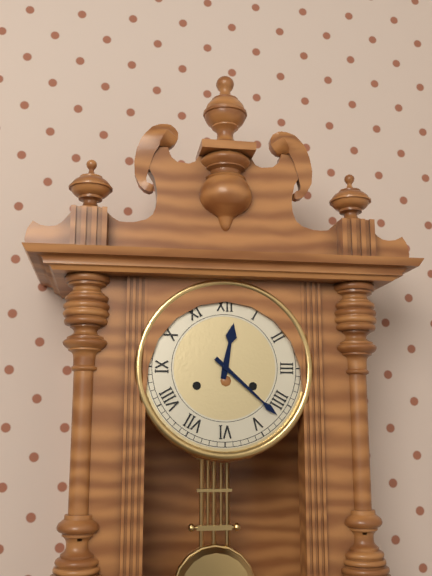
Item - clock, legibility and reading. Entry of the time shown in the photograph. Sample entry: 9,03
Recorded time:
12,22
